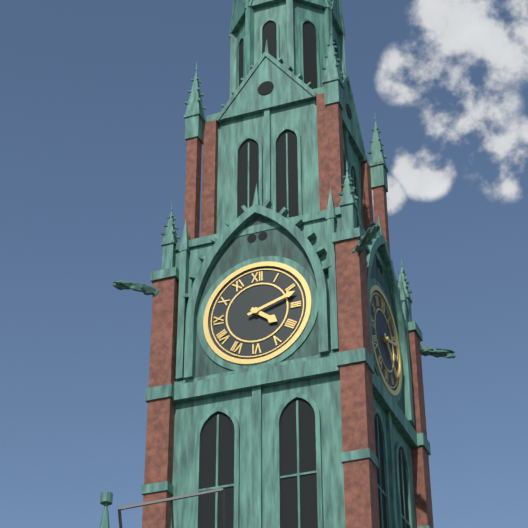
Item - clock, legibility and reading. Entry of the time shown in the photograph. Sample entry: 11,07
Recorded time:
4,12
